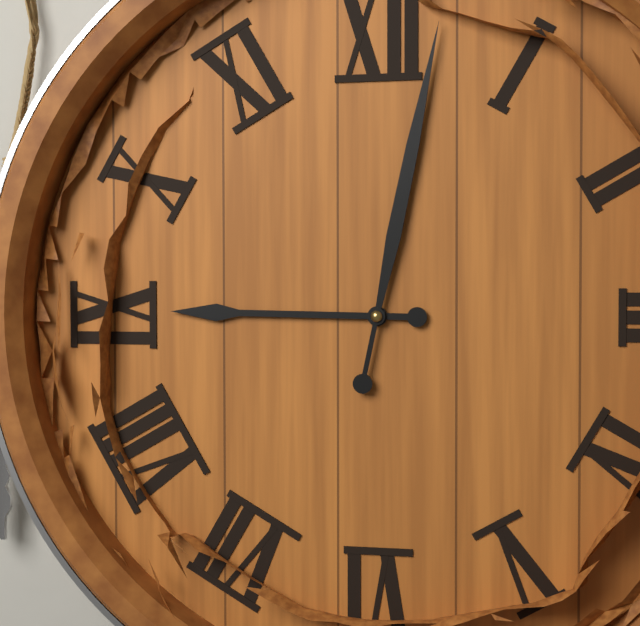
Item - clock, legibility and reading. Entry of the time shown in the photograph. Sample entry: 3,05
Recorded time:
9,02
